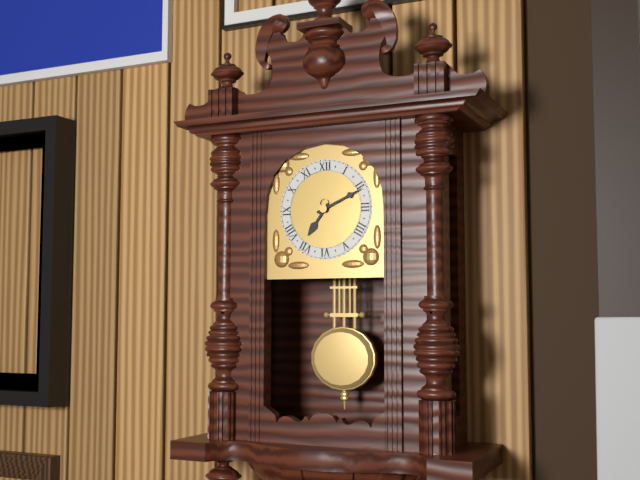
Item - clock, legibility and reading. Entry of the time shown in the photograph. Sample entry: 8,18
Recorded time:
7,11
